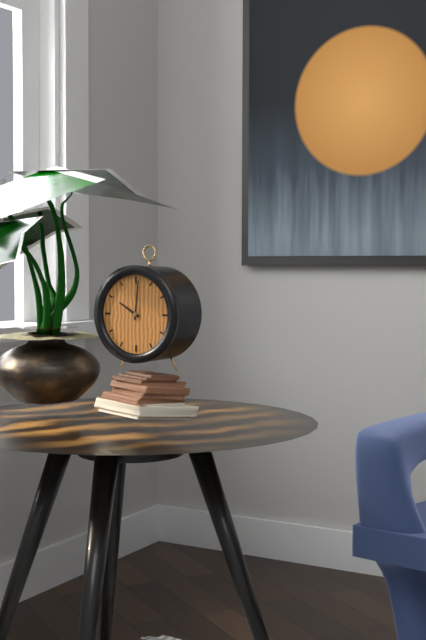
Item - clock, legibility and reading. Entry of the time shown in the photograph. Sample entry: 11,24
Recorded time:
10,01
